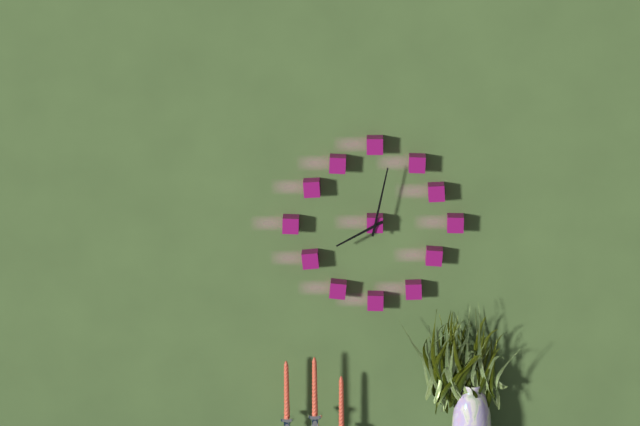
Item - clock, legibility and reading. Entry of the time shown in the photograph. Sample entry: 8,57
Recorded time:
8,02
